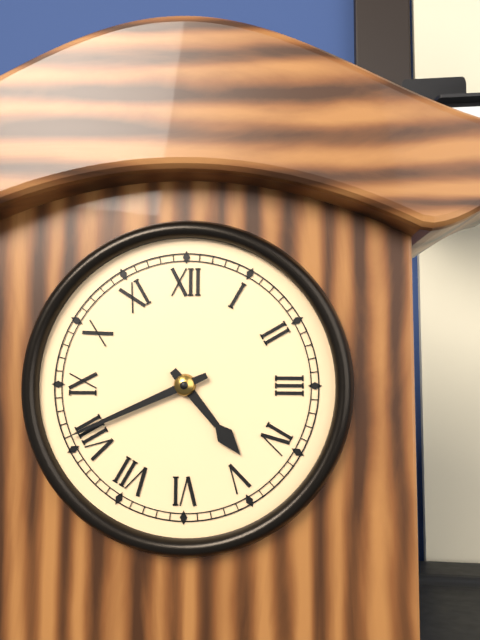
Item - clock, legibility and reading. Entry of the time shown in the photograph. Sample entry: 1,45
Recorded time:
4,41
